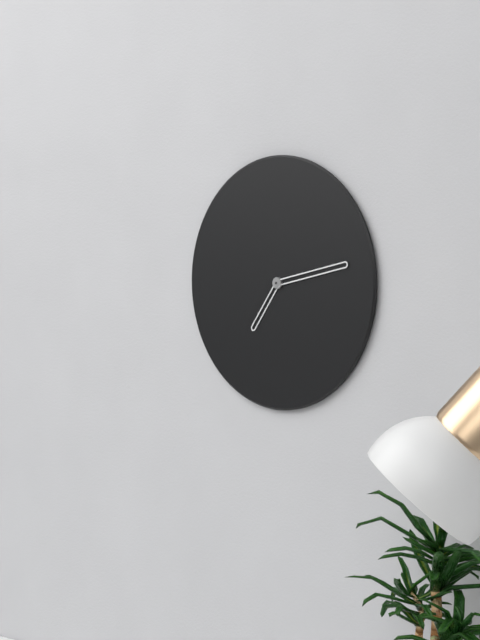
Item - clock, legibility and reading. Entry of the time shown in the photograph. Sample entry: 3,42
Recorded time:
7,13
